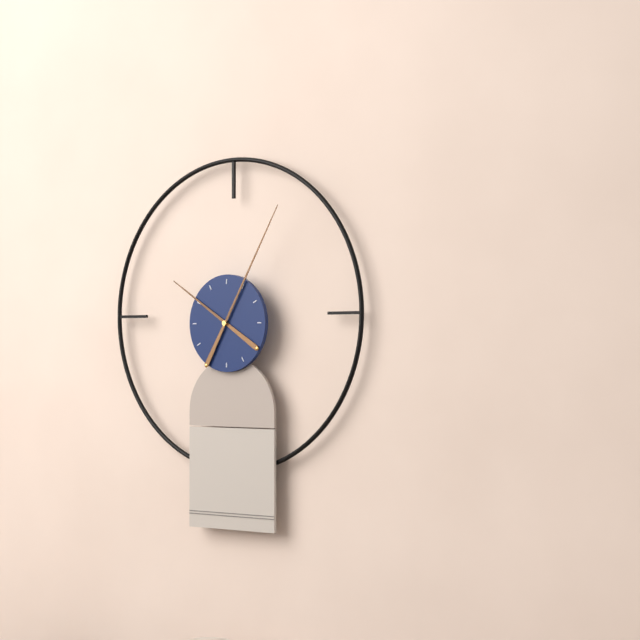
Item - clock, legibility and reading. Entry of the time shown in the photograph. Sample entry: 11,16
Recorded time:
10,05
